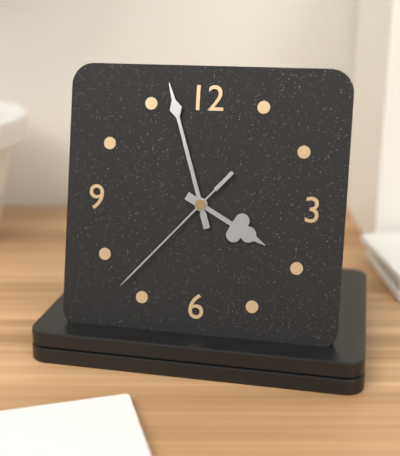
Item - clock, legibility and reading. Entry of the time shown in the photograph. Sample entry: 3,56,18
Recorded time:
3,57,37
